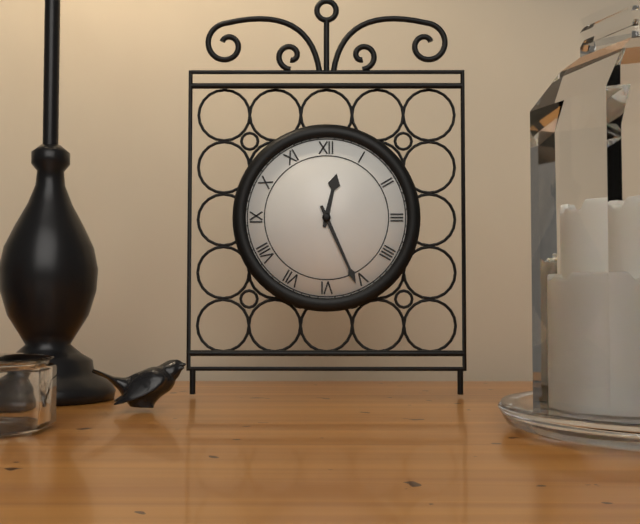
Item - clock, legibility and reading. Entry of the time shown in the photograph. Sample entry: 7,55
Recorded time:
12,26
